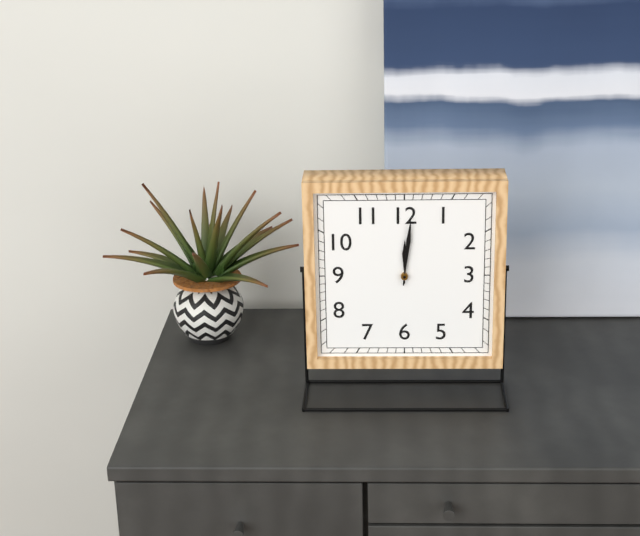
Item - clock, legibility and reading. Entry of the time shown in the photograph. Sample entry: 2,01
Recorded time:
12,01
